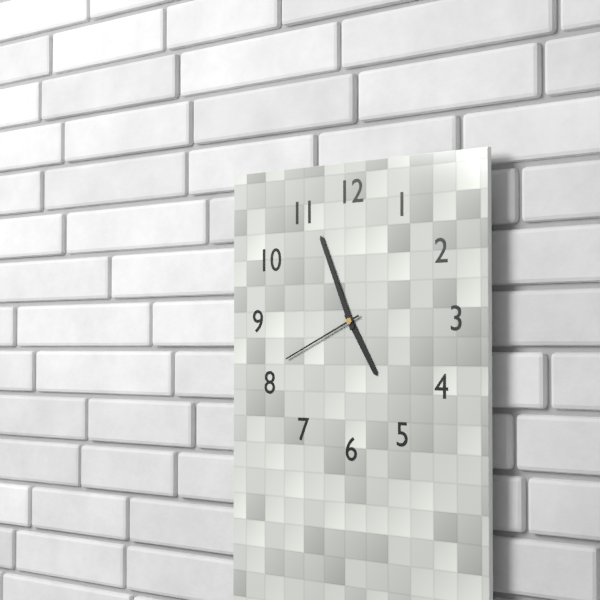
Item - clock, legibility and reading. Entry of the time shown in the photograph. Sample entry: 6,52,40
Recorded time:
4,56,41
